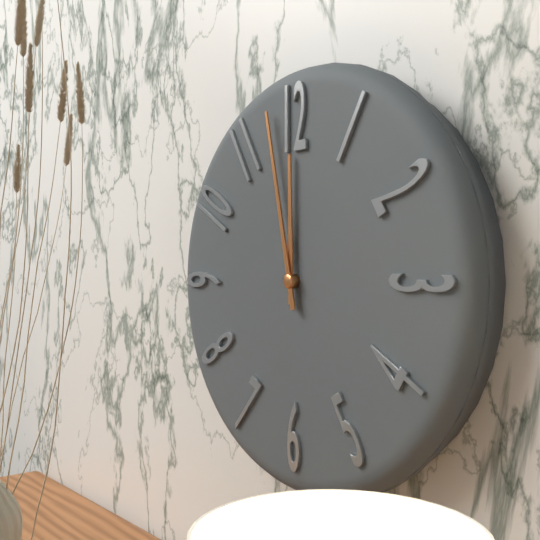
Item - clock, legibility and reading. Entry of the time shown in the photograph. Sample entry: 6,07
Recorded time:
11,58
